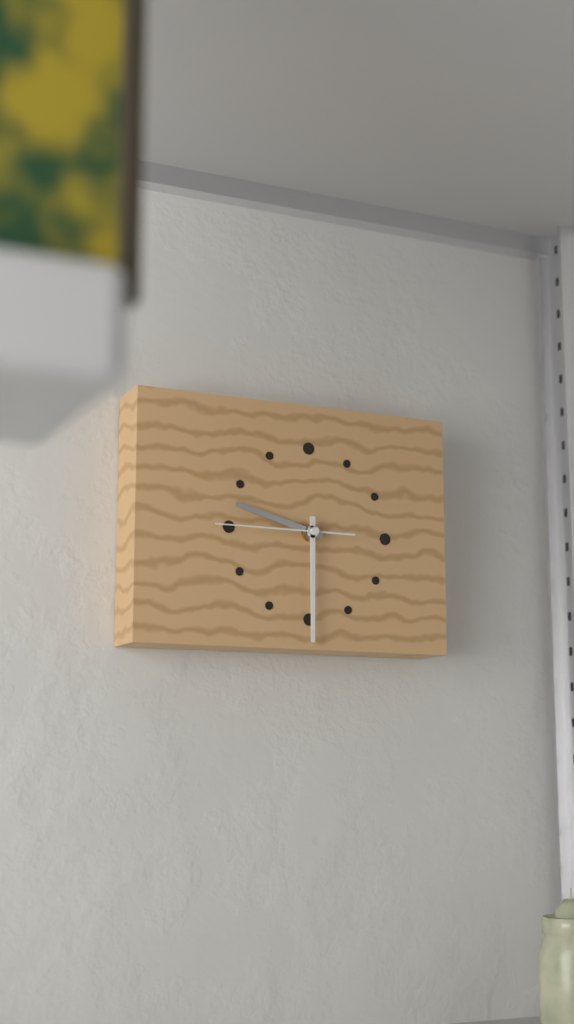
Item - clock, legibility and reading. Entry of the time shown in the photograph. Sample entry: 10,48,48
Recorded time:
9,30,45
